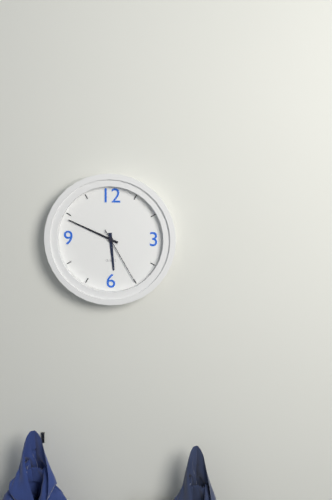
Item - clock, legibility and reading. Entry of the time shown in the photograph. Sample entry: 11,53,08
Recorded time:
5,49,25
